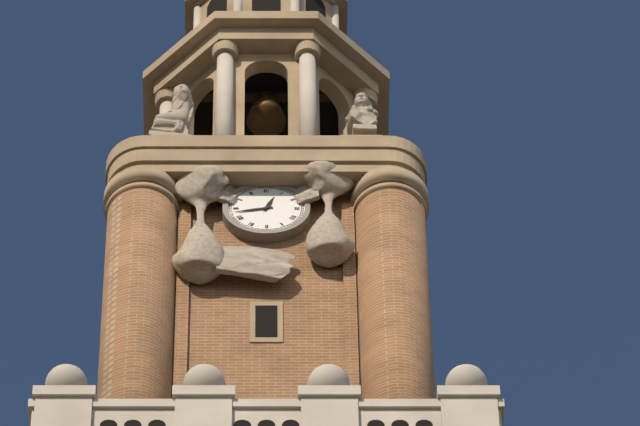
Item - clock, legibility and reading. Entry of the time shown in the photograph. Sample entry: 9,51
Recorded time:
12,43
